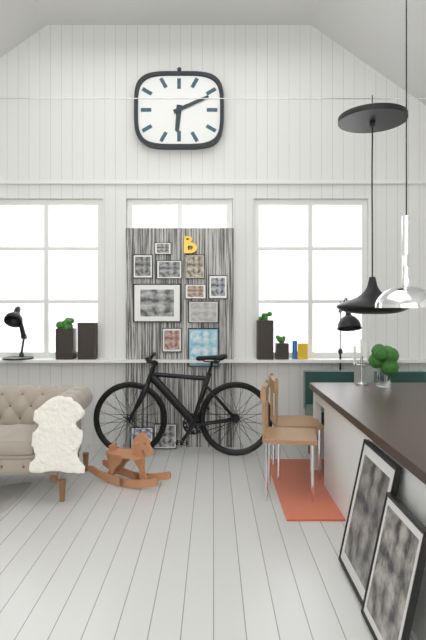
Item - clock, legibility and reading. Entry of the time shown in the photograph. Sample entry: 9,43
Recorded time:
6,11
